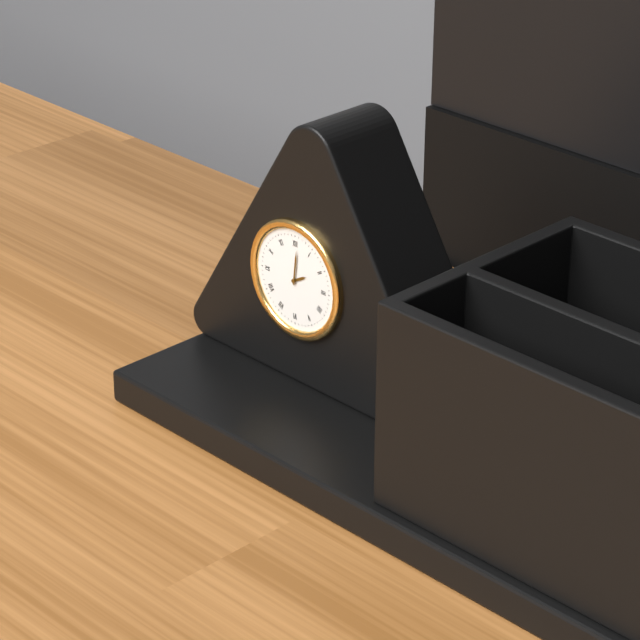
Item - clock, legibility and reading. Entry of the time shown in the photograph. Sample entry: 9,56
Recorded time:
2,01
